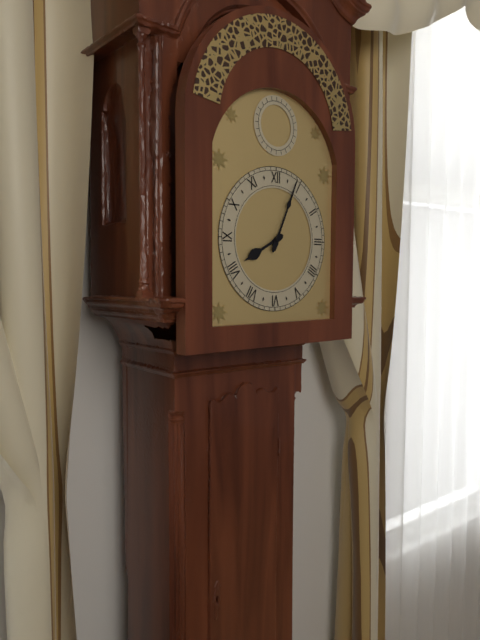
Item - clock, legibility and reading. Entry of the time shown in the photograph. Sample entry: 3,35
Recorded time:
8,04
